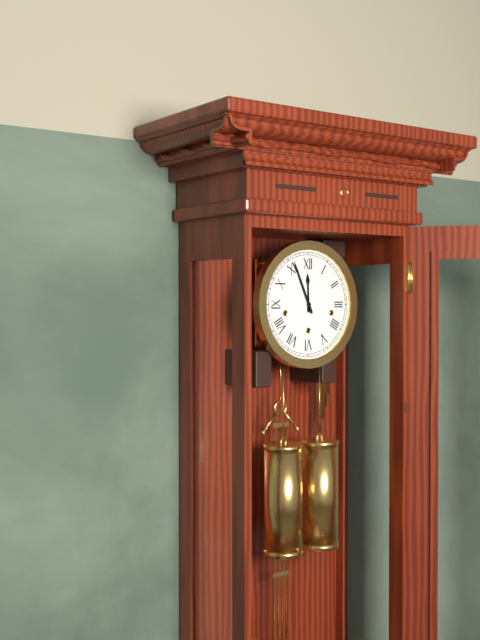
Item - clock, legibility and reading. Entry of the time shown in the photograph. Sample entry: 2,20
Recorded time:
11,56
